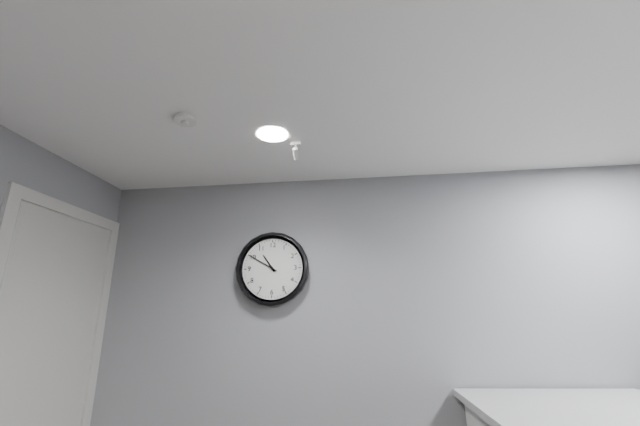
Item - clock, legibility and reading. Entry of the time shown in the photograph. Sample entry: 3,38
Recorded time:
10,50
